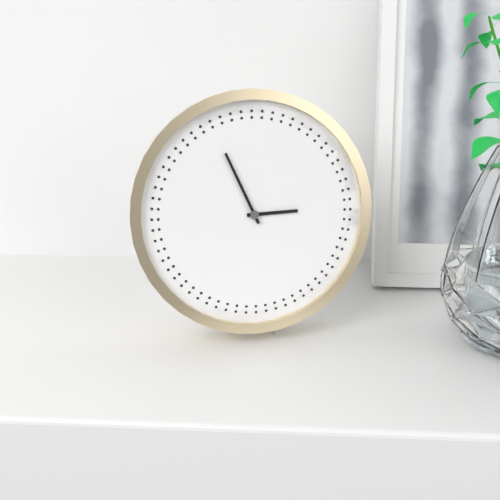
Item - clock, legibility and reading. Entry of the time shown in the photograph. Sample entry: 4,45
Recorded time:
2,56
